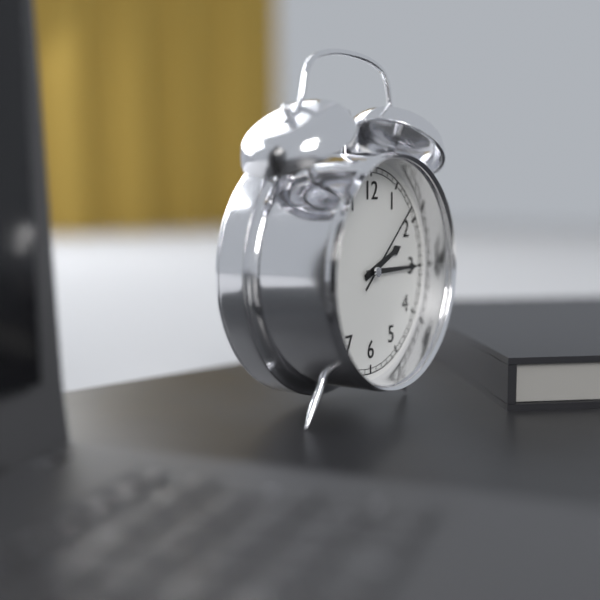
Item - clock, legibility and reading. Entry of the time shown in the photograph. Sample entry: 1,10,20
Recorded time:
2,15,08
